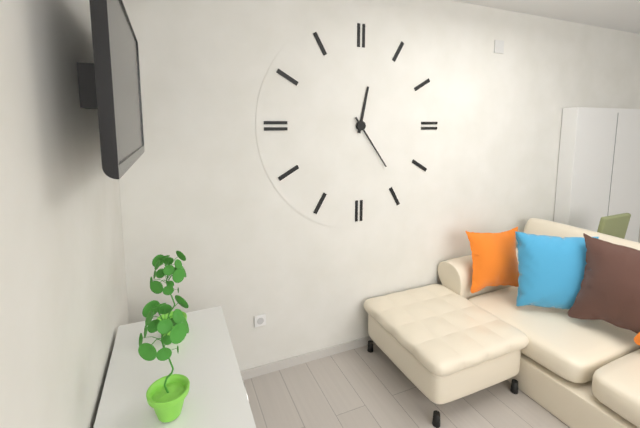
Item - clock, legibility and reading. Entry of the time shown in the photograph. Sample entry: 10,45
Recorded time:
12,24
